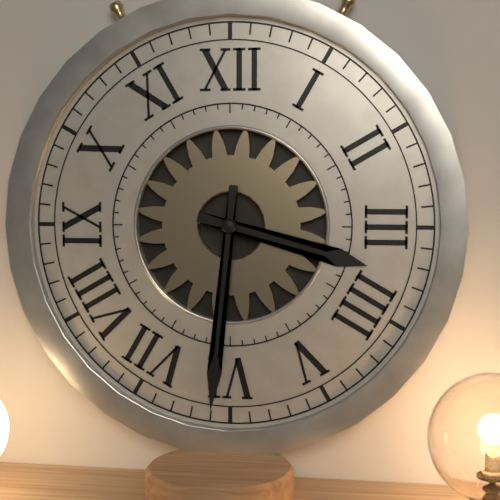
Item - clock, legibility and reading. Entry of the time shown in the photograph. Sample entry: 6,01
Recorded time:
3,31
